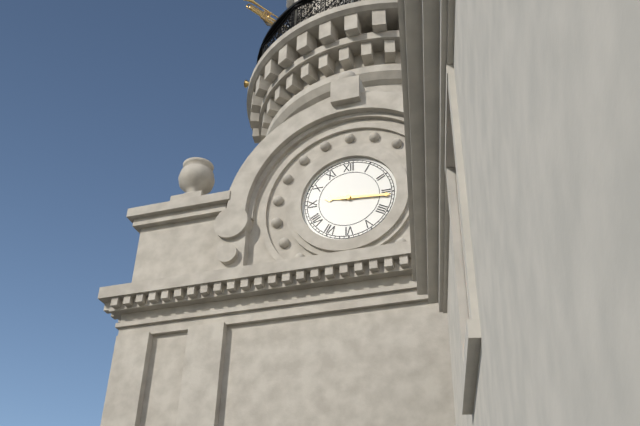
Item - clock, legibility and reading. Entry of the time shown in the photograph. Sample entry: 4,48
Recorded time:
9,16
